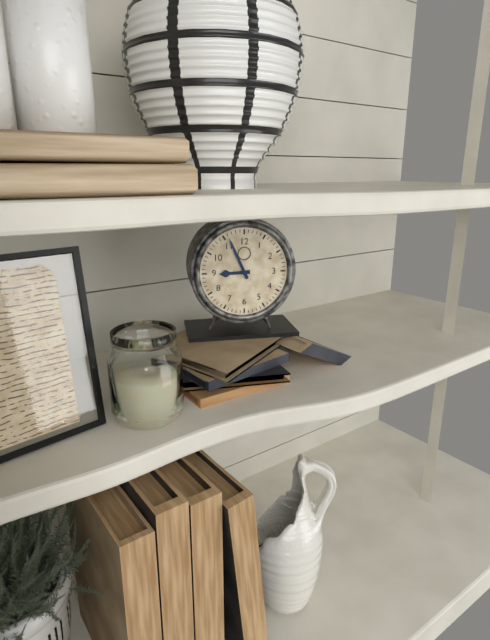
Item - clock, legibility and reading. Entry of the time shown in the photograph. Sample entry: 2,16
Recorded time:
8,56
